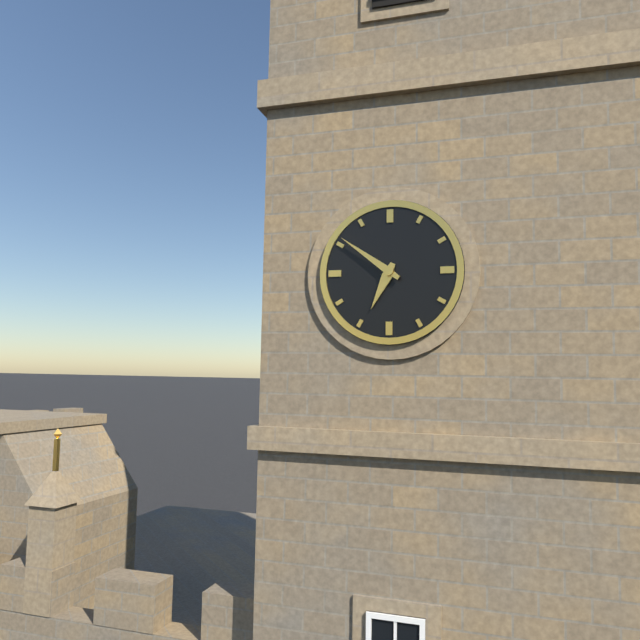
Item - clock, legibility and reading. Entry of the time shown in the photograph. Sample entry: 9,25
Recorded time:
6,51
